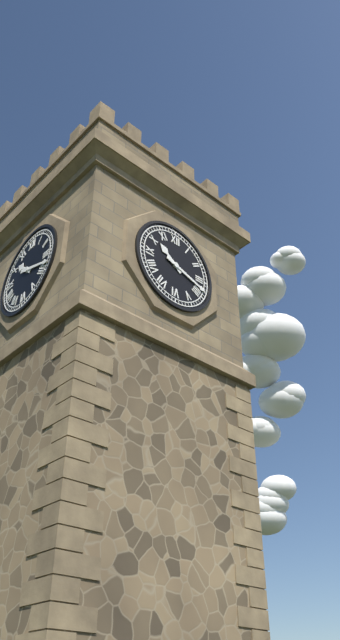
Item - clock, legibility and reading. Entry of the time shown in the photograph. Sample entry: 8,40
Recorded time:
10,18
